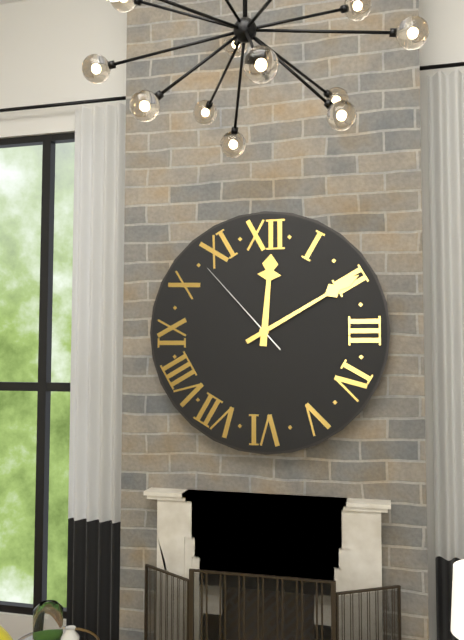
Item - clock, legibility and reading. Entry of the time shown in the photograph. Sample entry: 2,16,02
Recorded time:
12,10,53
